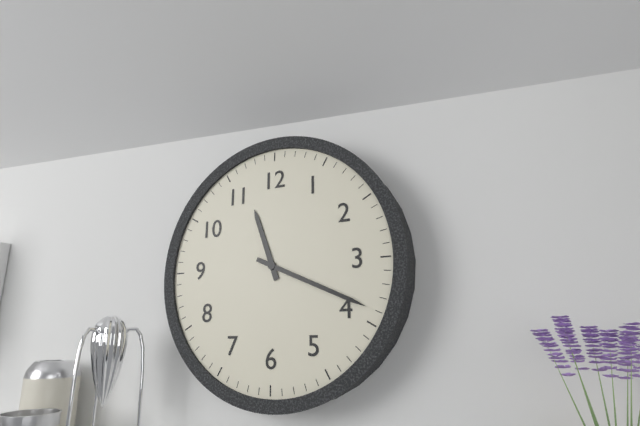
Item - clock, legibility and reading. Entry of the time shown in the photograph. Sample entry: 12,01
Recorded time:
11,19
